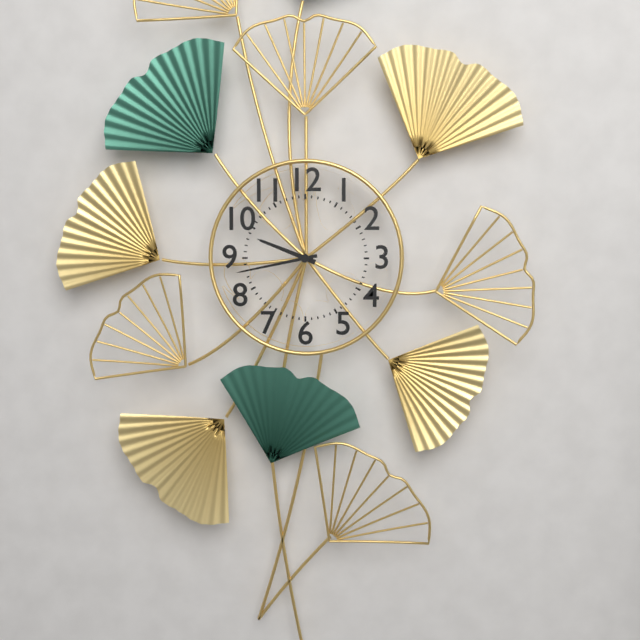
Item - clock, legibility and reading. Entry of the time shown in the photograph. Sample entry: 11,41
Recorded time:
9,43
